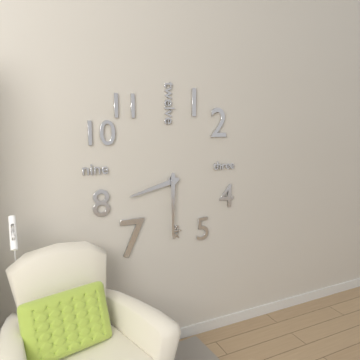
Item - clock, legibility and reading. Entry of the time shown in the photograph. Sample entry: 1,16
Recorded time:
8,30
